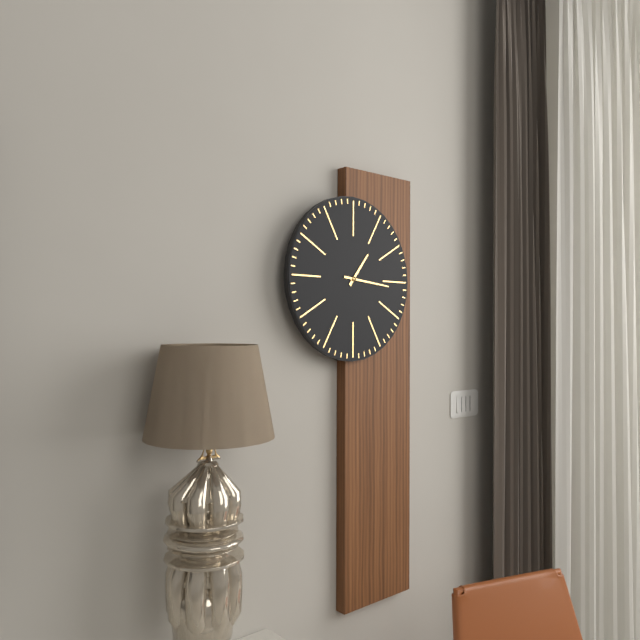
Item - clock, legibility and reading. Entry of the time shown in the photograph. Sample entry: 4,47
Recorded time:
1,16
